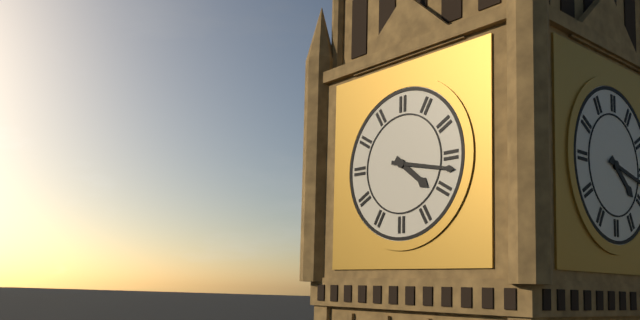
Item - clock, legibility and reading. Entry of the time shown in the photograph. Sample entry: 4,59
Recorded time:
4,17
